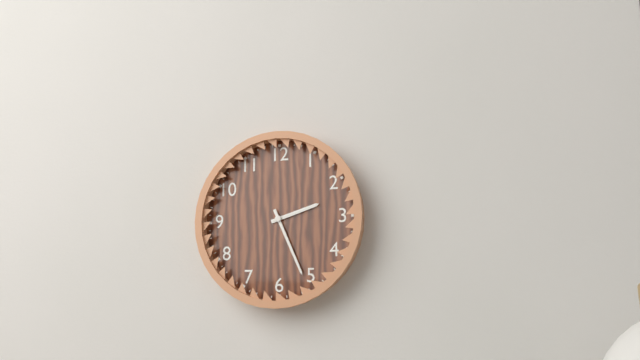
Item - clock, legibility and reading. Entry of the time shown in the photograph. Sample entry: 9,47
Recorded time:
2,26
